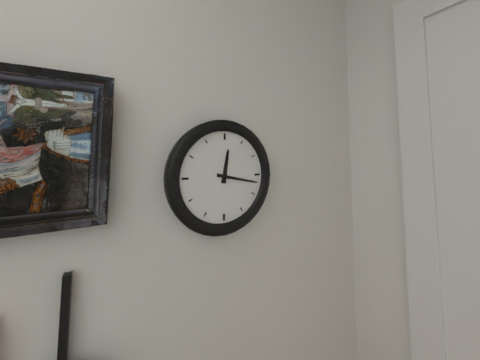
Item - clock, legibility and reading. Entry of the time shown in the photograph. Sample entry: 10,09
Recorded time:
12,17
